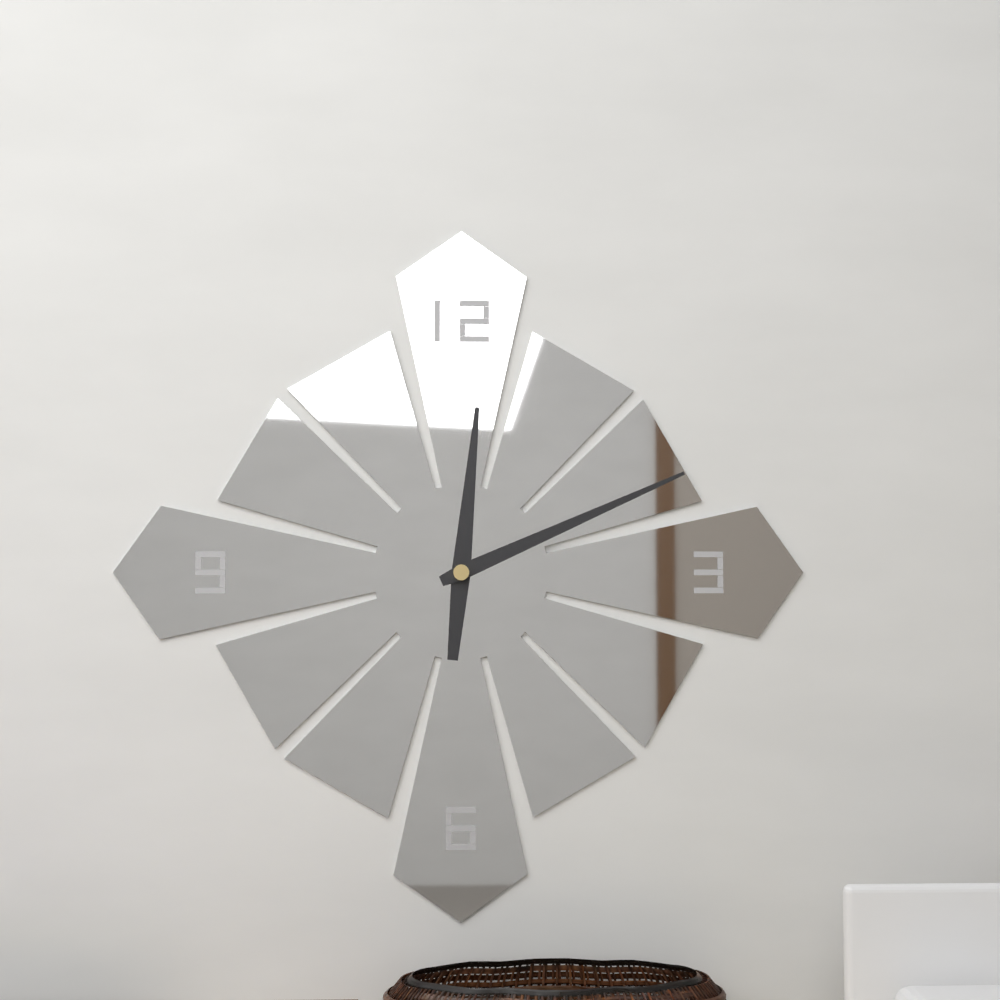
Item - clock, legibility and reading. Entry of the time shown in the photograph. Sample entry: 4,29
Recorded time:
12,11
